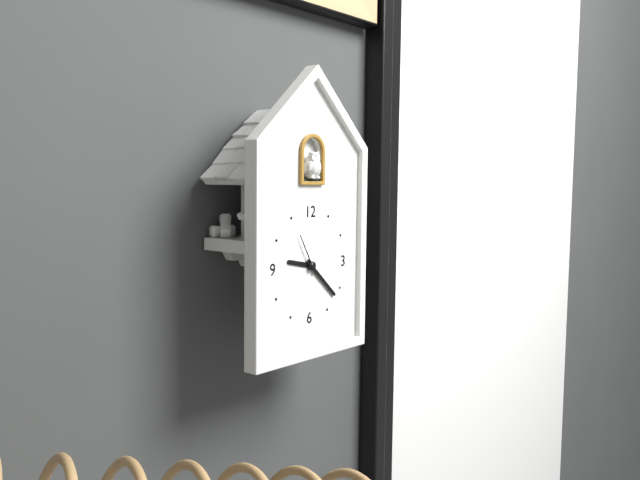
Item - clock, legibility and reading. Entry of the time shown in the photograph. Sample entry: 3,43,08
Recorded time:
9,22,55
